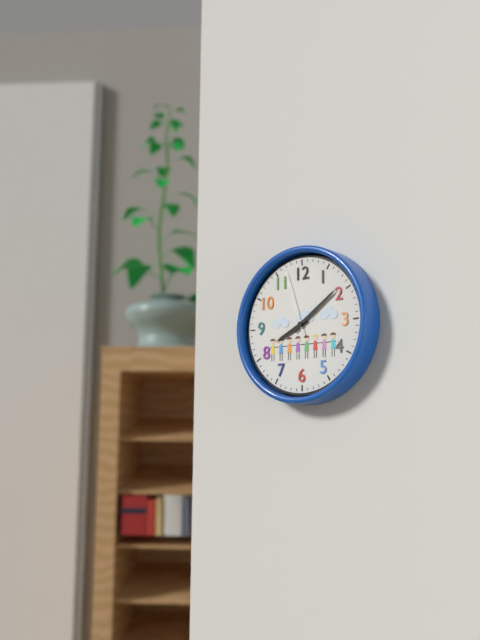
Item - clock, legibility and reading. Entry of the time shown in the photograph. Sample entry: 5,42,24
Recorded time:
8,09,57
